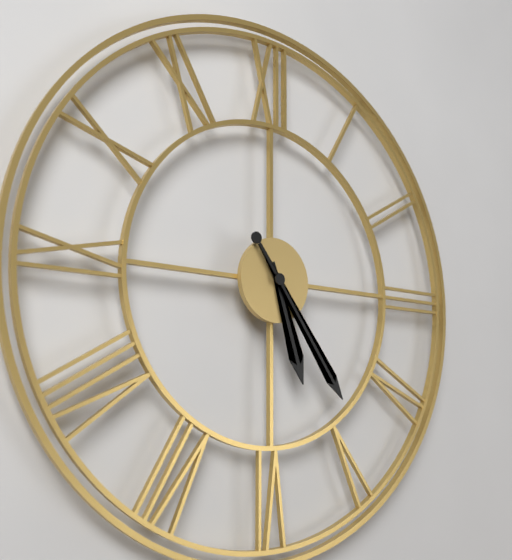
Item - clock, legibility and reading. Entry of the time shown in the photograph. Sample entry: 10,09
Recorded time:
5,24
